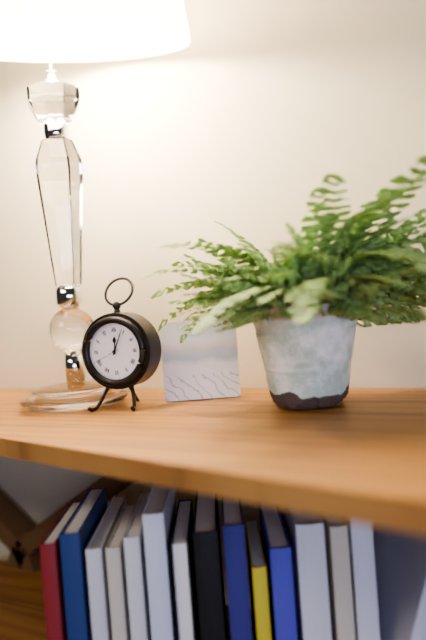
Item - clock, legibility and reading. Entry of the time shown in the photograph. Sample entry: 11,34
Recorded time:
12,04
